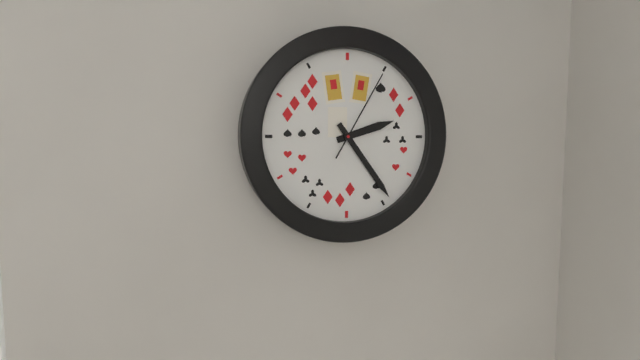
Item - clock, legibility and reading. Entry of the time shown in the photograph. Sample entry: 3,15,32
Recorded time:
2,24,05
